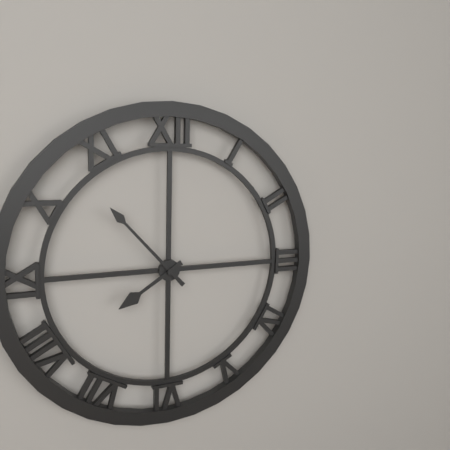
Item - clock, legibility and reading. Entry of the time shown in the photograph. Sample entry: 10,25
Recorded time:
7,53
